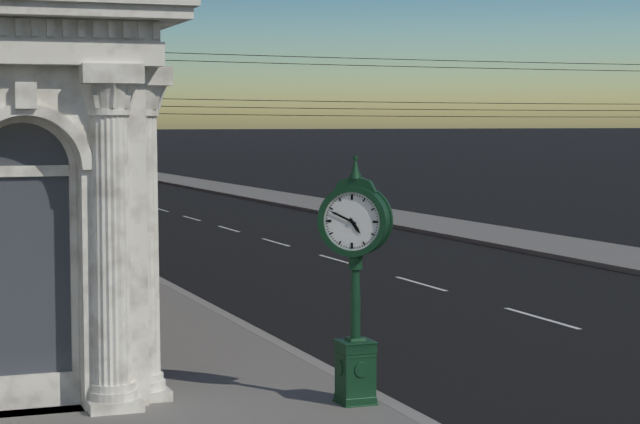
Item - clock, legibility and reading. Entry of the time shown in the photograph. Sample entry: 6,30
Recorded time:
4,49
